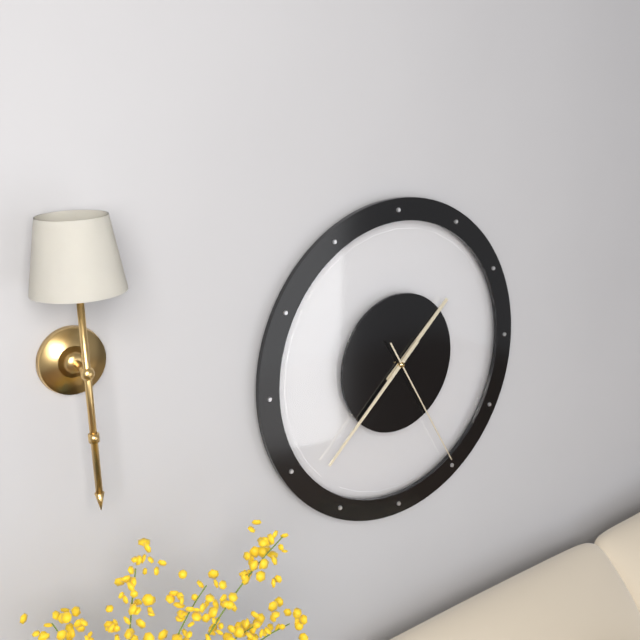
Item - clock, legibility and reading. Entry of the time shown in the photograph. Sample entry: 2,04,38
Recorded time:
1,38,25
